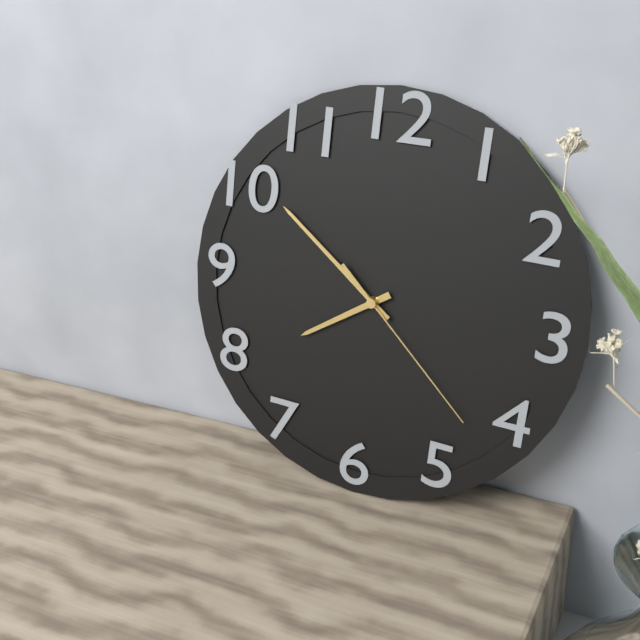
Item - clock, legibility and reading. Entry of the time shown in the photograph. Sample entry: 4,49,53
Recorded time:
7,51,22
